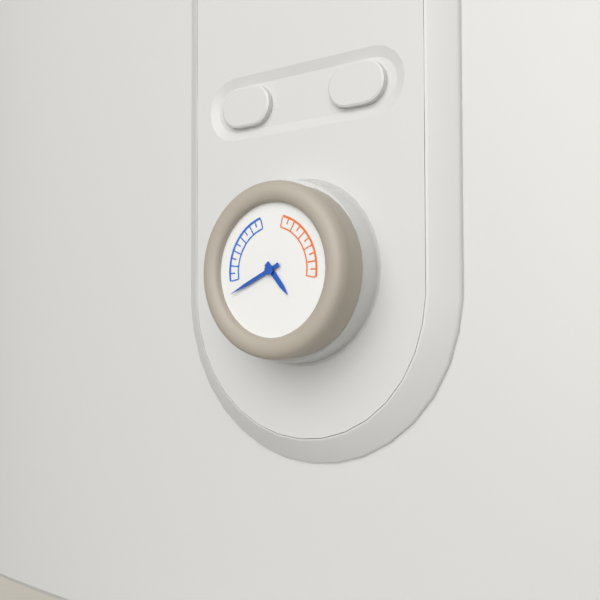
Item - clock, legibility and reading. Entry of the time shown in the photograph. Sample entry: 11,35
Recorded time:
4,41
